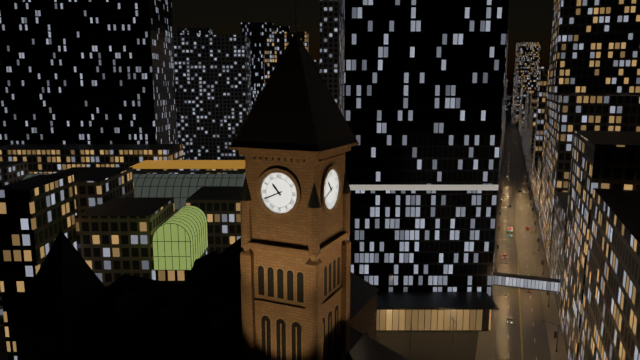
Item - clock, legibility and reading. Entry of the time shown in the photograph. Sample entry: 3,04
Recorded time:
10,41
